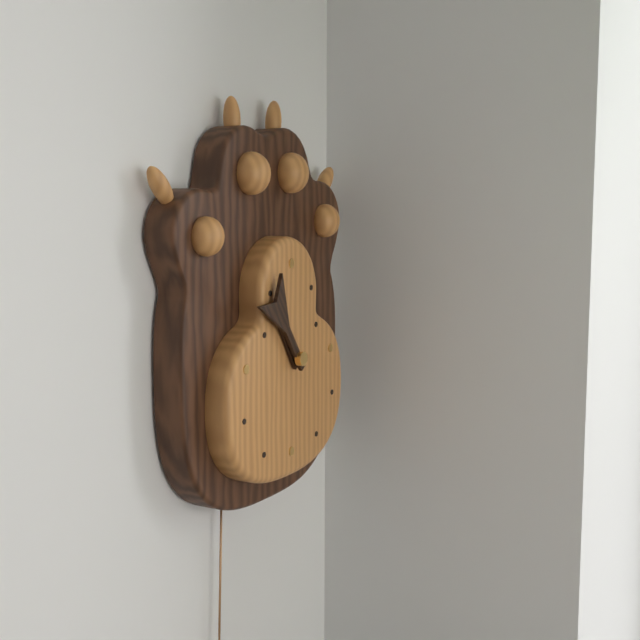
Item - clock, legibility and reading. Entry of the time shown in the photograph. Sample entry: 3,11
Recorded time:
10,54
